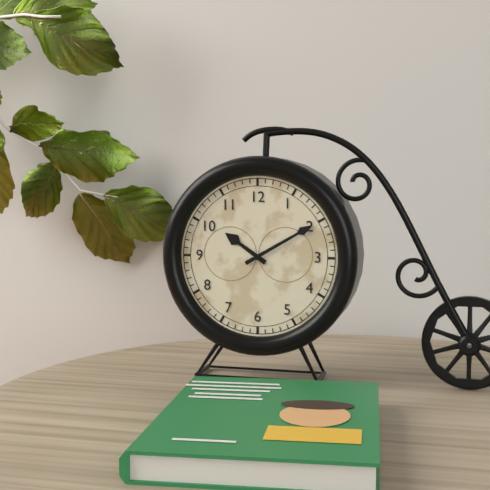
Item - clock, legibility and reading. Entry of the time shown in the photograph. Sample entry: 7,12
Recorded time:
10,10
